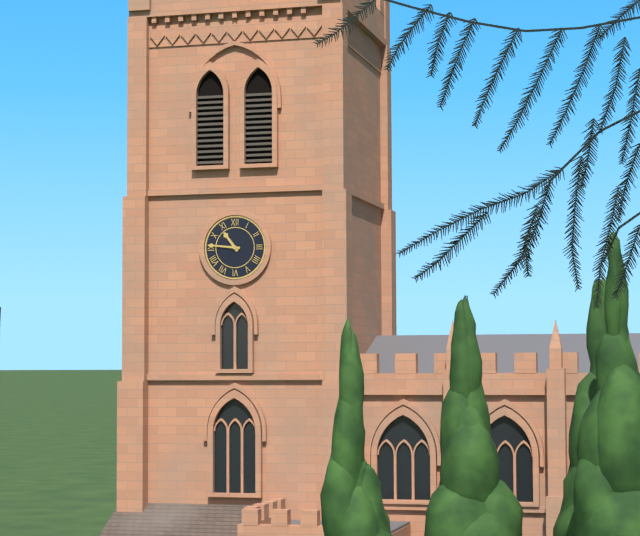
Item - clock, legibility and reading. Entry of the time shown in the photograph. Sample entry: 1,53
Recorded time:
10,46
